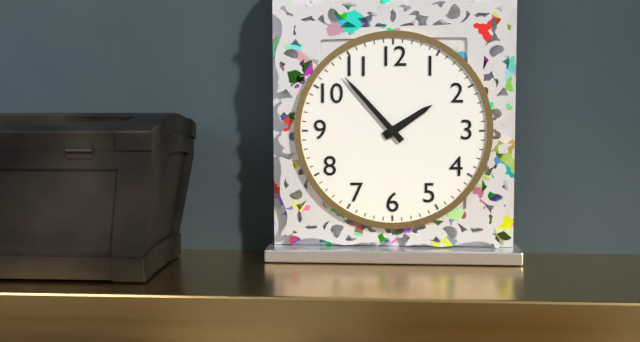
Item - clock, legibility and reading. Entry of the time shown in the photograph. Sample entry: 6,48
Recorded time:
1,53
